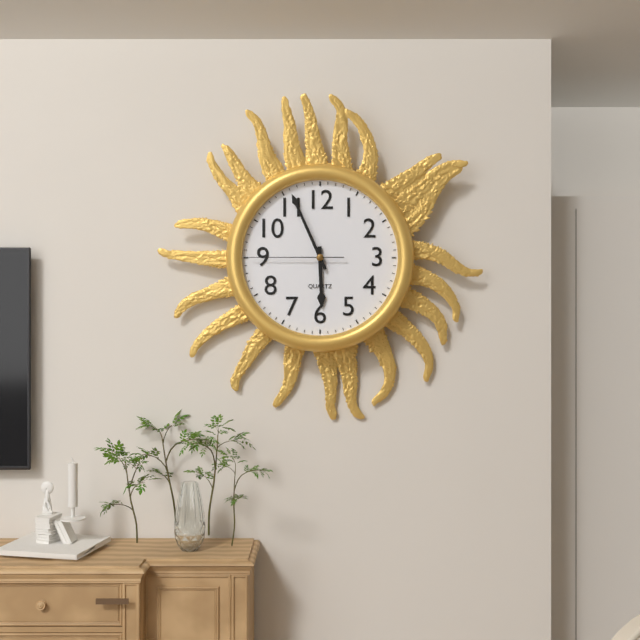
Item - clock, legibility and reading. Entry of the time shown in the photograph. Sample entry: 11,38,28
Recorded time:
5,56,45
